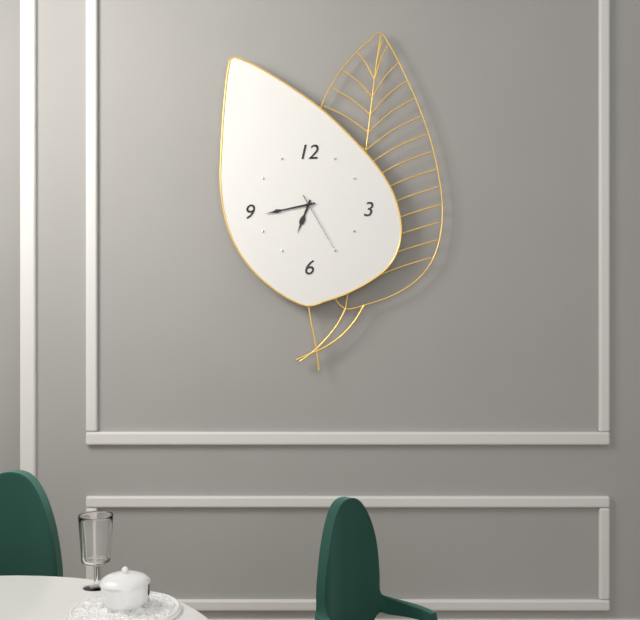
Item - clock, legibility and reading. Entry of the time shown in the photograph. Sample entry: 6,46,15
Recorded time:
6,43,25
